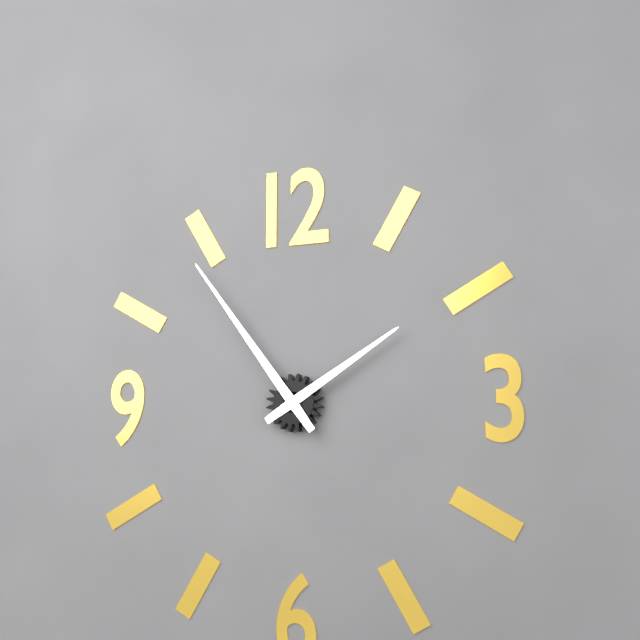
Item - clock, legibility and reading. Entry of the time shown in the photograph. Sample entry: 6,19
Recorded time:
1,54
